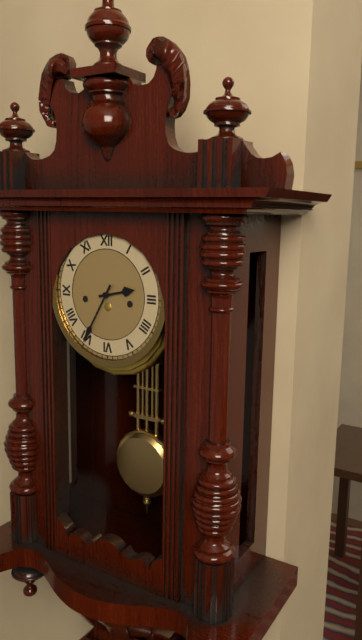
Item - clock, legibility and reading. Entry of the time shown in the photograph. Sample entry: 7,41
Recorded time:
2,35
